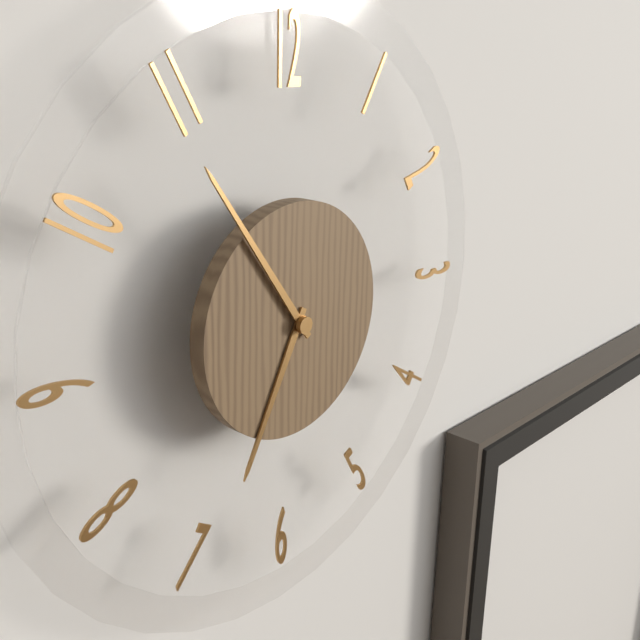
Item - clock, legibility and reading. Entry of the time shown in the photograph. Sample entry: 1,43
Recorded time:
6,54
